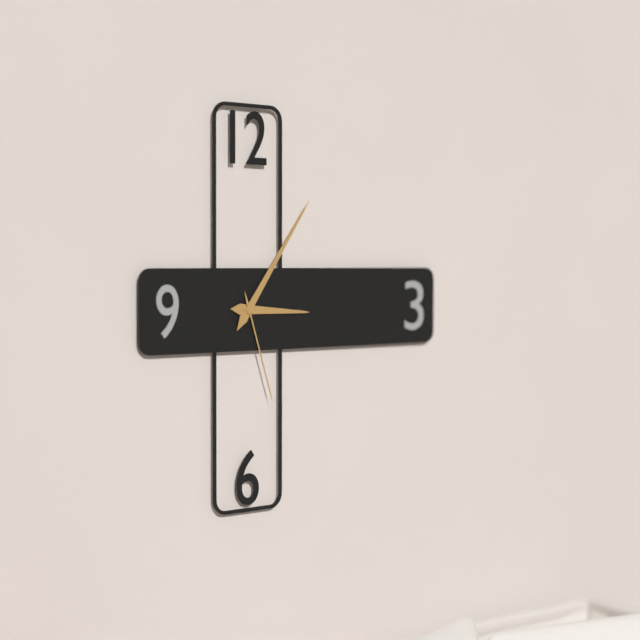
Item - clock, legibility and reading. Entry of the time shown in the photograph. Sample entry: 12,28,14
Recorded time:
3,06,27
